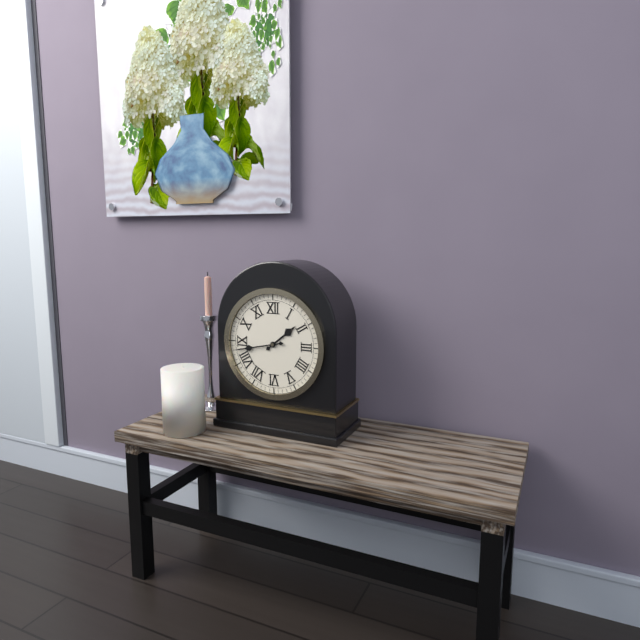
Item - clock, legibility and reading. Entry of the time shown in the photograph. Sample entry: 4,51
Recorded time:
1,43
